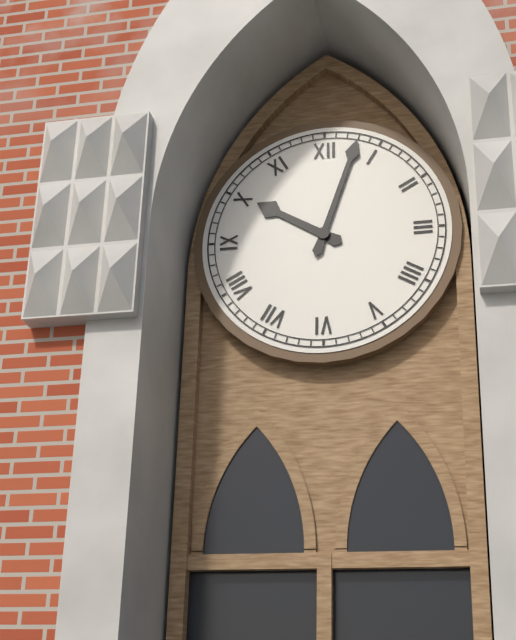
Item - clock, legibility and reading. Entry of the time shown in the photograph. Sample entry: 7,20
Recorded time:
10,03
